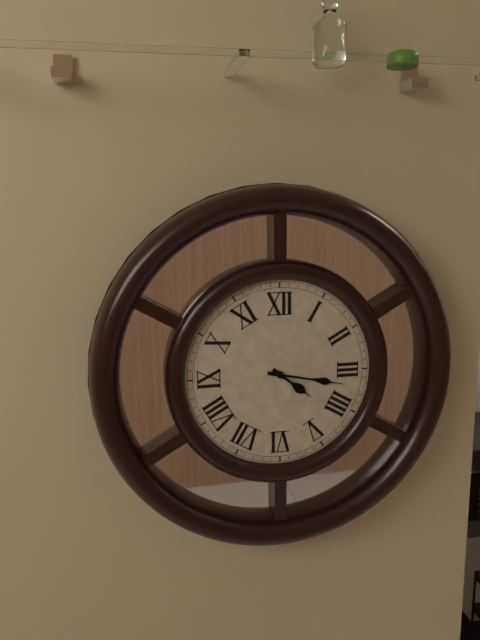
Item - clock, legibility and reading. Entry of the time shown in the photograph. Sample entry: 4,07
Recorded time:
4,17
